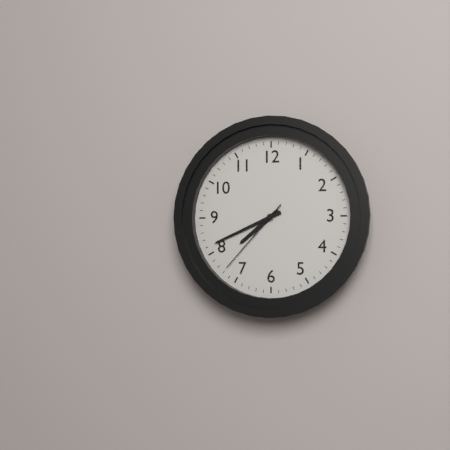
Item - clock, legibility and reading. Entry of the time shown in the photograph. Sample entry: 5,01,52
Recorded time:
7,41,37
